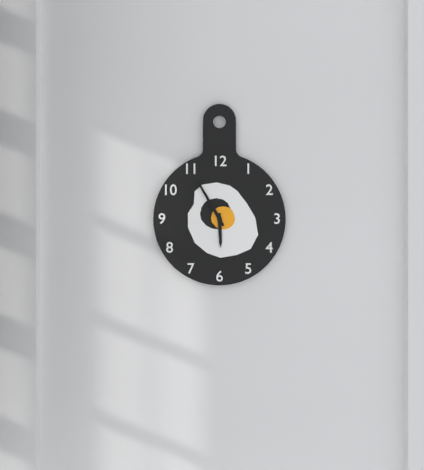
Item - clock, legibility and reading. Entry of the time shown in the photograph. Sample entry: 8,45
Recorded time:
5,55
